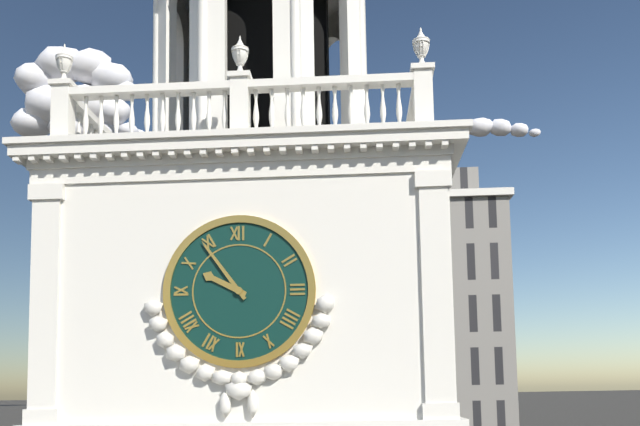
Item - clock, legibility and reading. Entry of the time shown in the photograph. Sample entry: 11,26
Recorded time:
9,54
